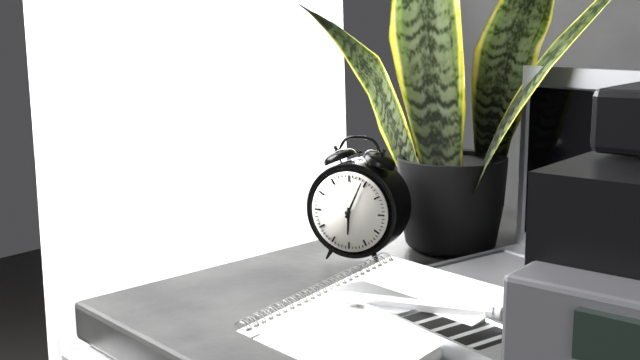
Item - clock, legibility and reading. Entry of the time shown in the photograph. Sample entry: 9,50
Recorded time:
6,04
